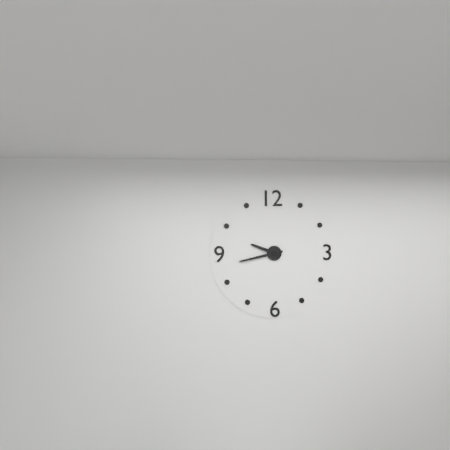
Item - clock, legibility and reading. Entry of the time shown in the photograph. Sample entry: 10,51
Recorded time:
9,43
